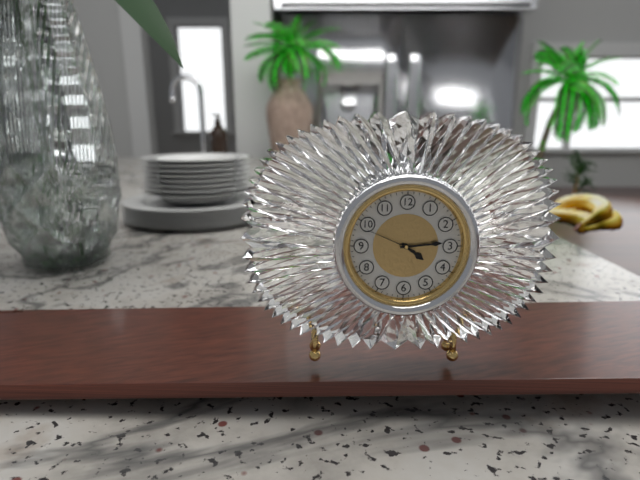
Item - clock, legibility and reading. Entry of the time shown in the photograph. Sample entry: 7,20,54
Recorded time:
4,14,49
